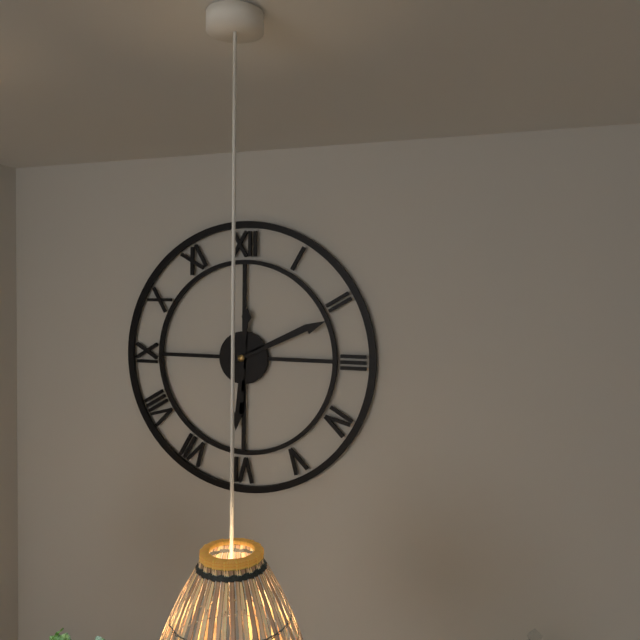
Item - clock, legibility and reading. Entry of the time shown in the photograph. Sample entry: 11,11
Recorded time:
6,11
